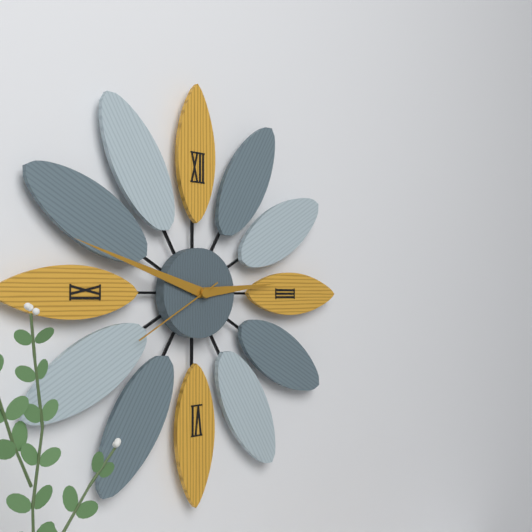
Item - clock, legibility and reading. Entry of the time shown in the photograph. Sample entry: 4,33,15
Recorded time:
2,48,40
